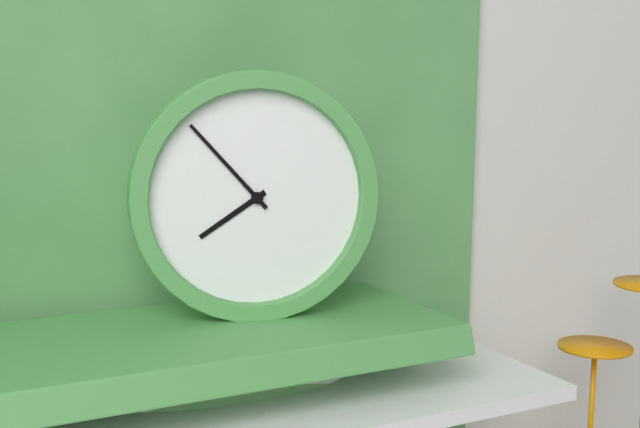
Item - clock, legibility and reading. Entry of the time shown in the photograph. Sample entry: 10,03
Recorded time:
7,53
